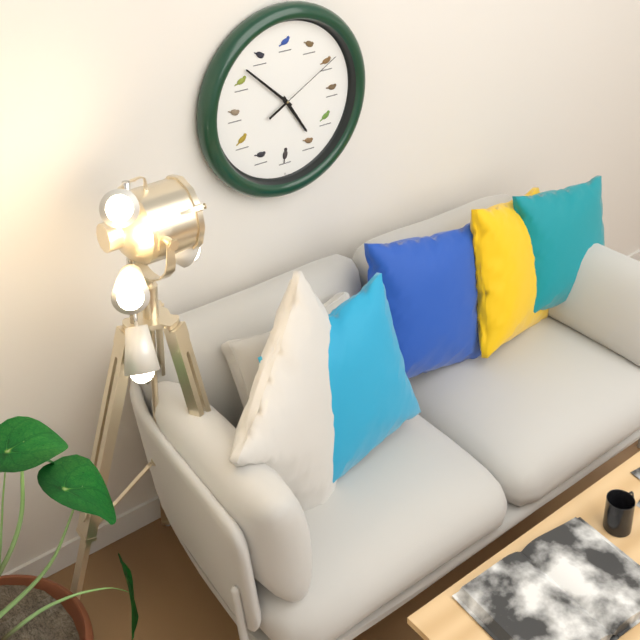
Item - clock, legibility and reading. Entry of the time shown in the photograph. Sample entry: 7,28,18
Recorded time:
4,52,10
